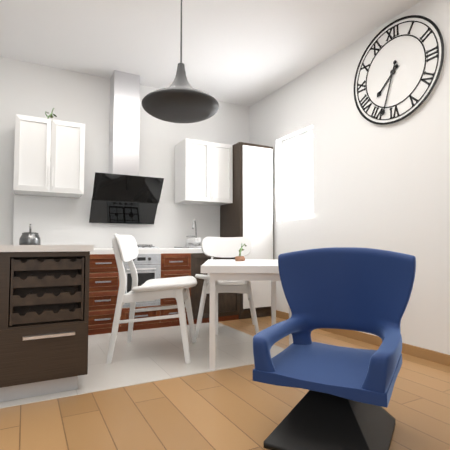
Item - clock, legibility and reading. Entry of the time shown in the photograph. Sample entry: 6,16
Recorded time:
7,33
